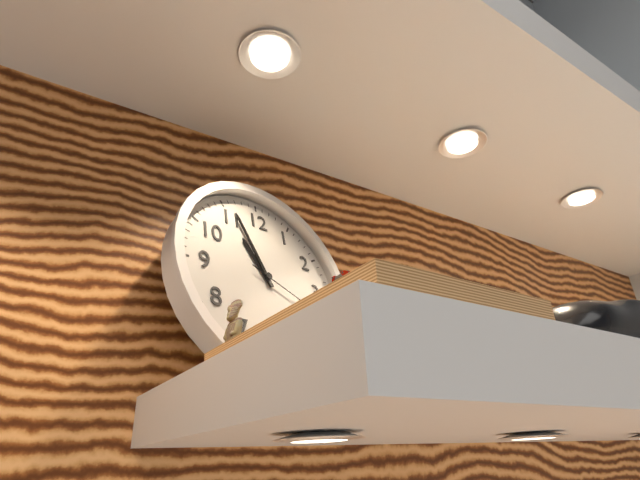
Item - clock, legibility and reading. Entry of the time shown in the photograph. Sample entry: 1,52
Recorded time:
10,56
